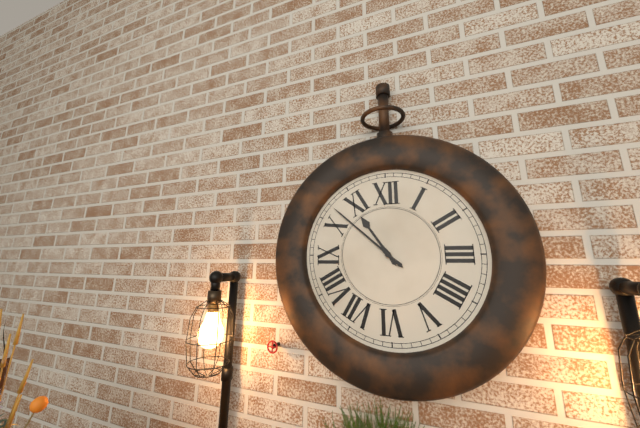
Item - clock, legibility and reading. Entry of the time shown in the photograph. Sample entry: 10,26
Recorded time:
10,52
